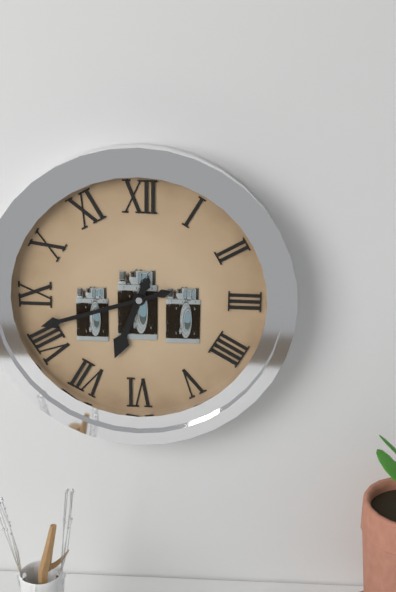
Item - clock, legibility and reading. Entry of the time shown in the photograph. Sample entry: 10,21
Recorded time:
6,42
